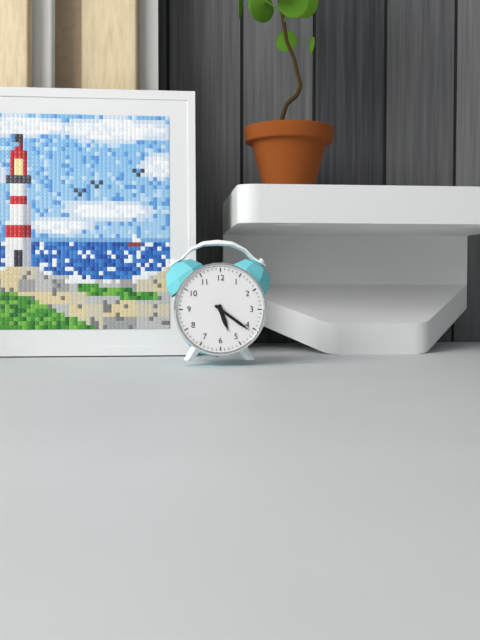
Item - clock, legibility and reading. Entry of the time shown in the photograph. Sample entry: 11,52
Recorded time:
5,21
